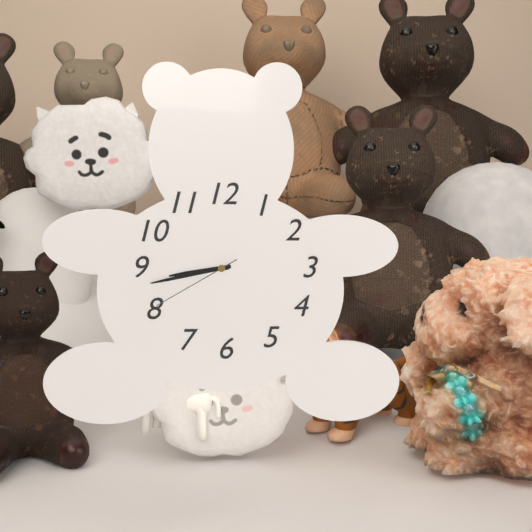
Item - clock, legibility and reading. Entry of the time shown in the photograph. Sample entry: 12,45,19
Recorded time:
8,43,40
